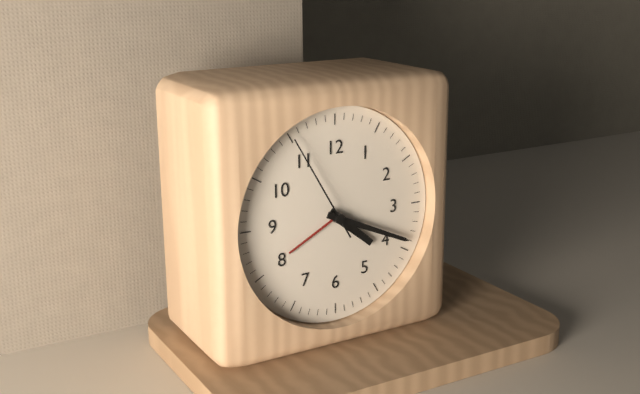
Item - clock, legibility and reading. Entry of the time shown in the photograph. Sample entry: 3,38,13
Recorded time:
4,19,55
